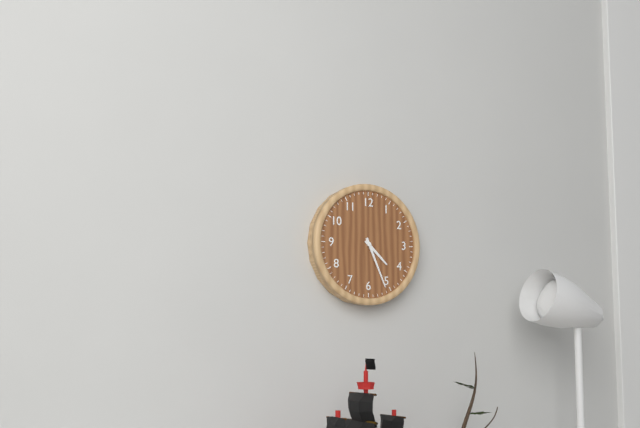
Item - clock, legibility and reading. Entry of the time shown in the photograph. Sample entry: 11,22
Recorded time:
4,26
